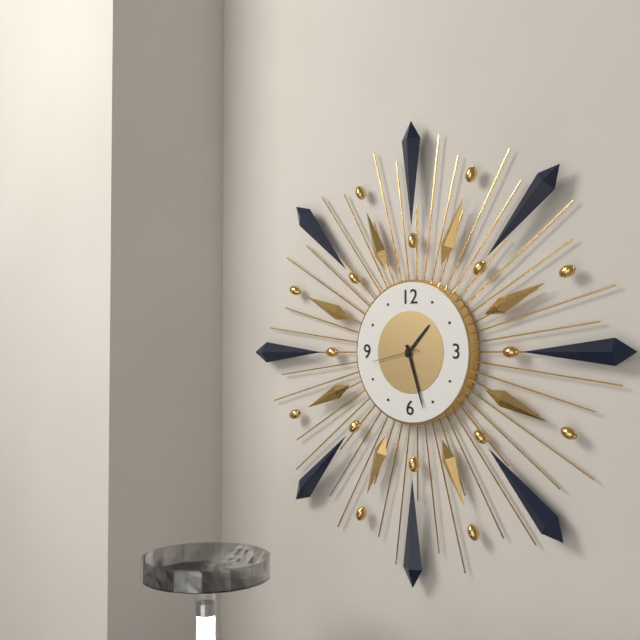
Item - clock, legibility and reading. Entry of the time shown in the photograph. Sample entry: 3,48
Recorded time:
1,27
